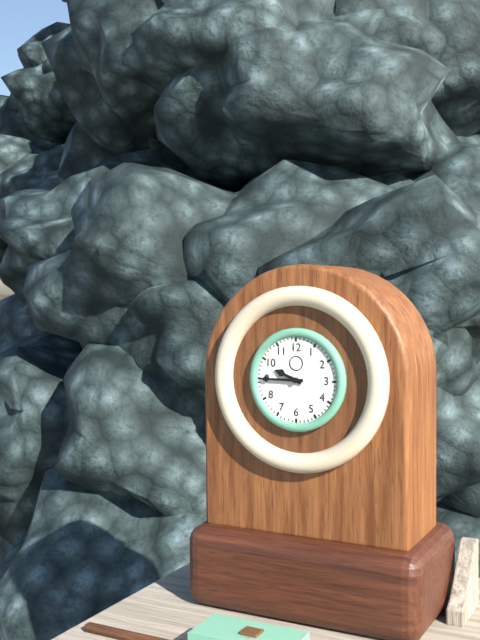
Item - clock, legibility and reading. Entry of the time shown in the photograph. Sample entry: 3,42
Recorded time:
9,45
